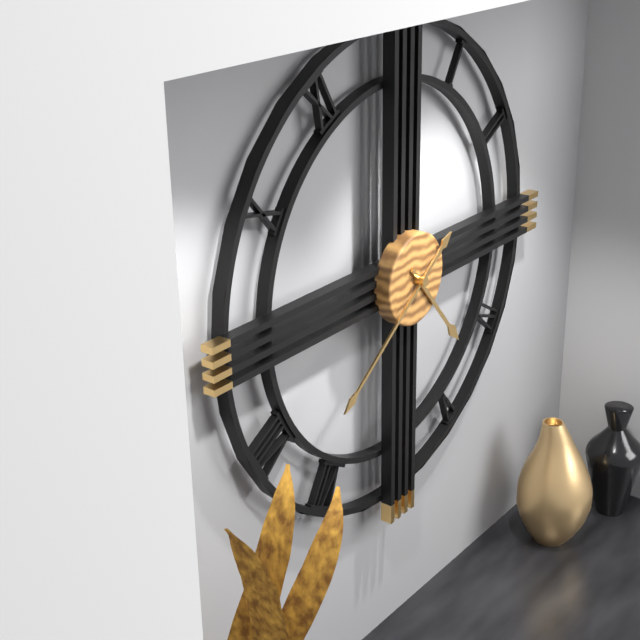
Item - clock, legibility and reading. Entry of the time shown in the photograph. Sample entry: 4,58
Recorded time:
4,39
